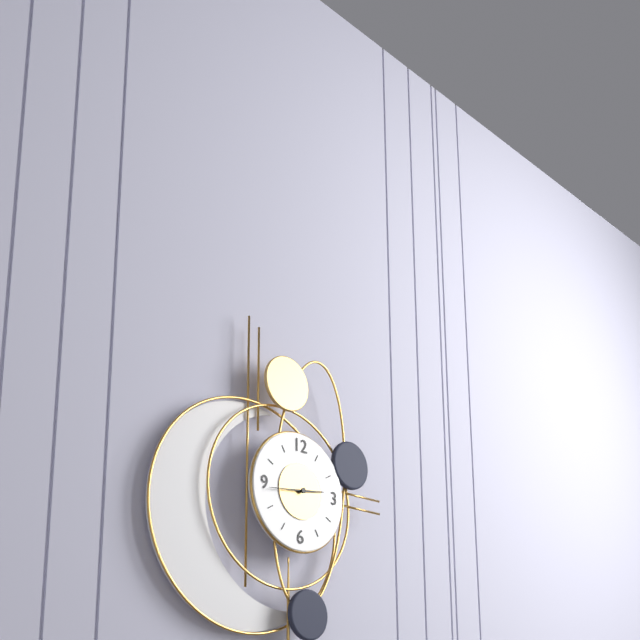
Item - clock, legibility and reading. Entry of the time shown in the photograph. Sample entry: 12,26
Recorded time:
2,44
